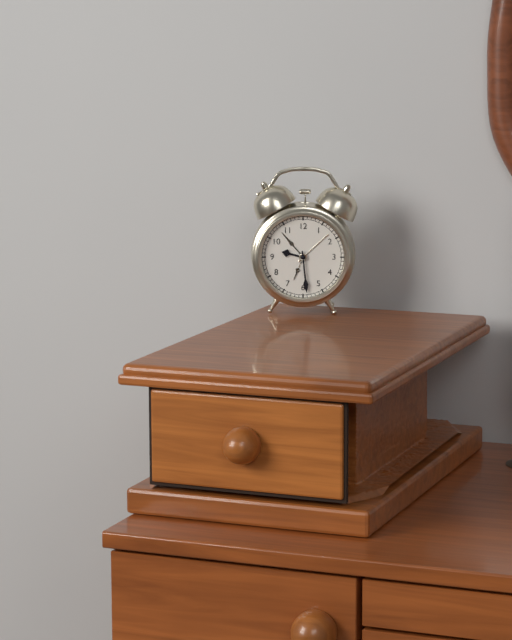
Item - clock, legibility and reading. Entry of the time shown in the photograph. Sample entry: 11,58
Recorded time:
9,29
